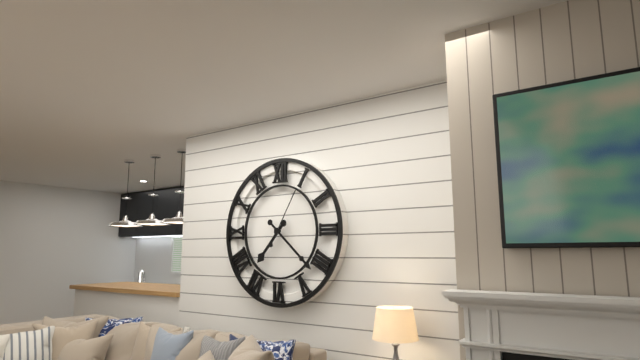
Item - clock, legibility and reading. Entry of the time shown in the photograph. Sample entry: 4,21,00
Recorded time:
7,22,05
